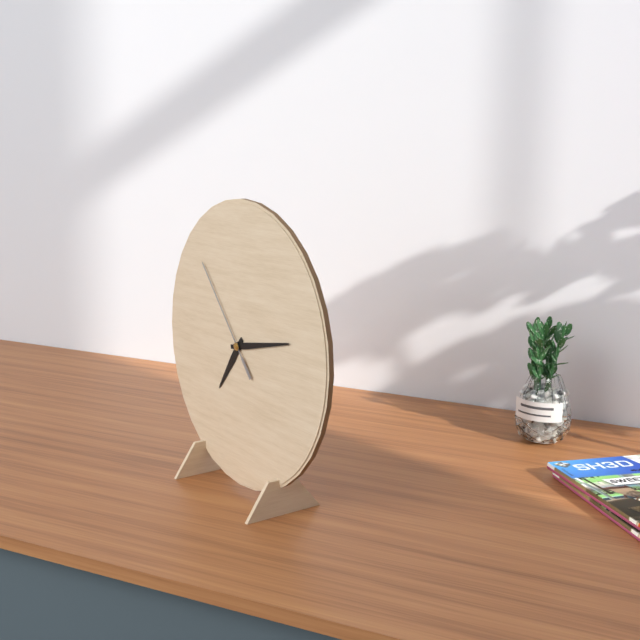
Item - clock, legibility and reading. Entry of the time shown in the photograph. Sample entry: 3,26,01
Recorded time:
7,13,53
